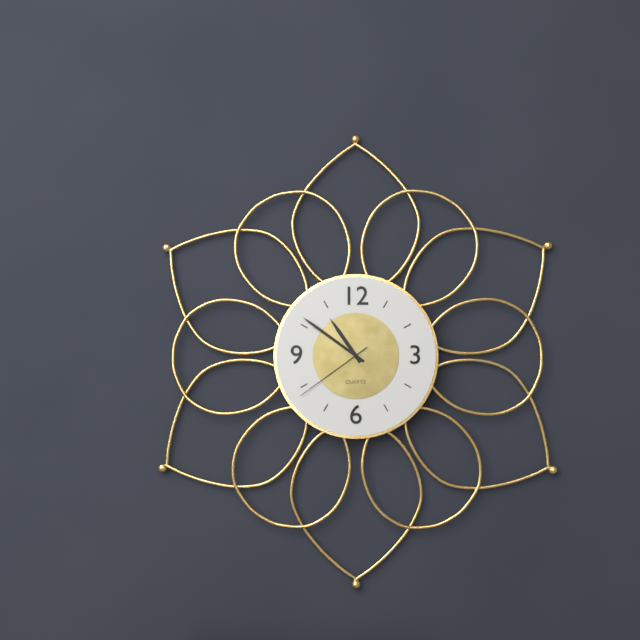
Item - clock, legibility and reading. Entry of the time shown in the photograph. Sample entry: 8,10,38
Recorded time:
10,51,39
